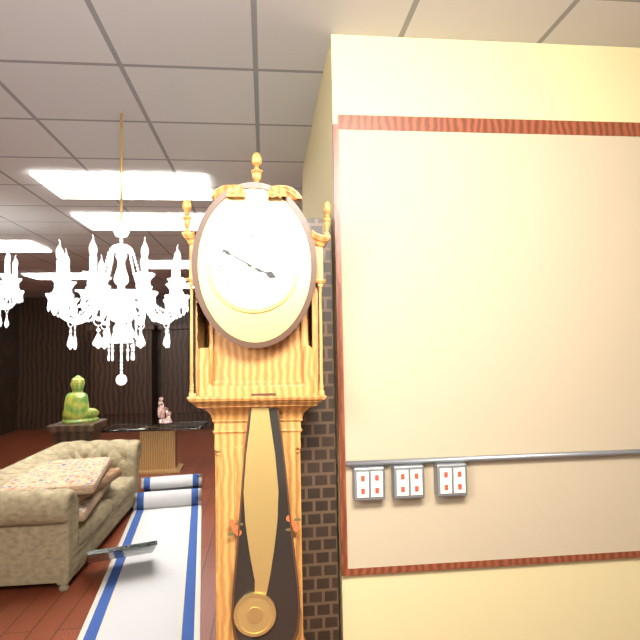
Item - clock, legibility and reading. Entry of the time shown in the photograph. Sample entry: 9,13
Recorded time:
3,50
